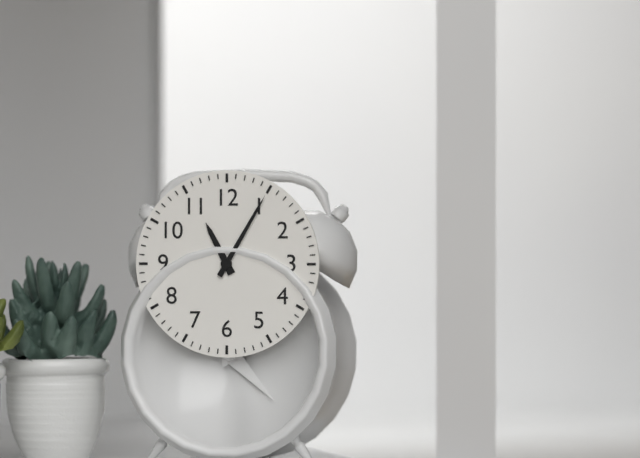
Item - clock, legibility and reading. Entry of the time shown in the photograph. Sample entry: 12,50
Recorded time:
11,05
